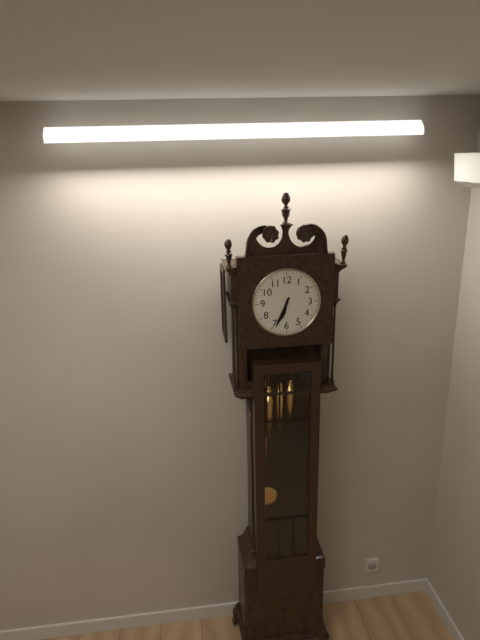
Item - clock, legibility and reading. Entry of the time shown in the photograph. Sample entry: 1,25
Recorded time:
6,34
